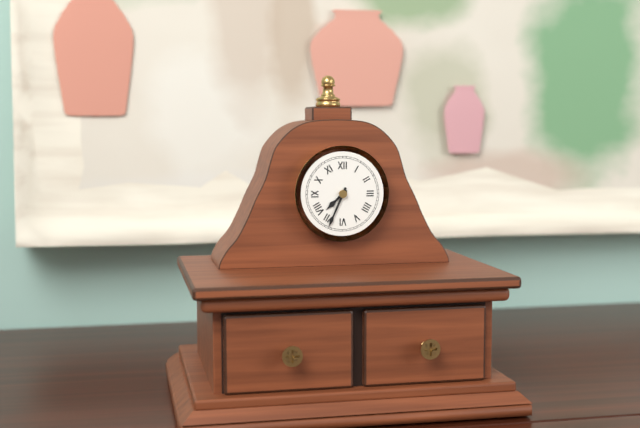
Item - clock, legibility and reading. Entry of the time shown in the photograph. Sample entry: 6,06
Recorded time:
7,34
